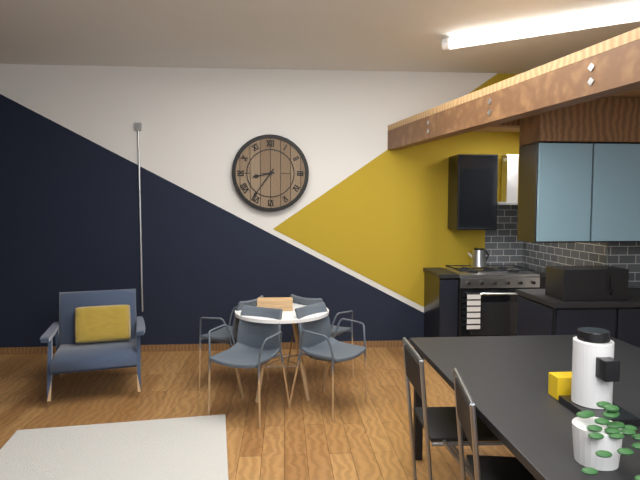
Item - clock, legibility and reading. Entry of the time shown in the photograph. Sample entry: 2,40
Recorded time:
8,36
